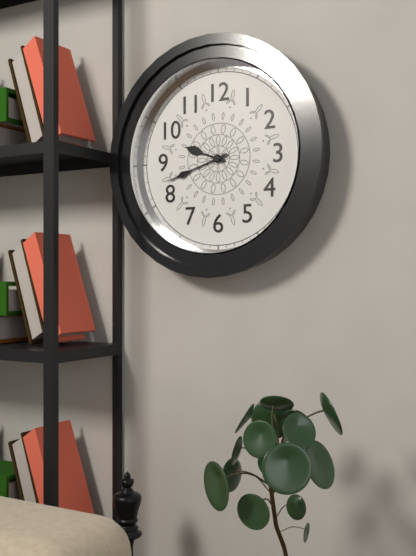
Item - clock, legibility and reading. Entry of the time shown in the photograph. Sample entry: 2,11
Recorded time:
9,42
